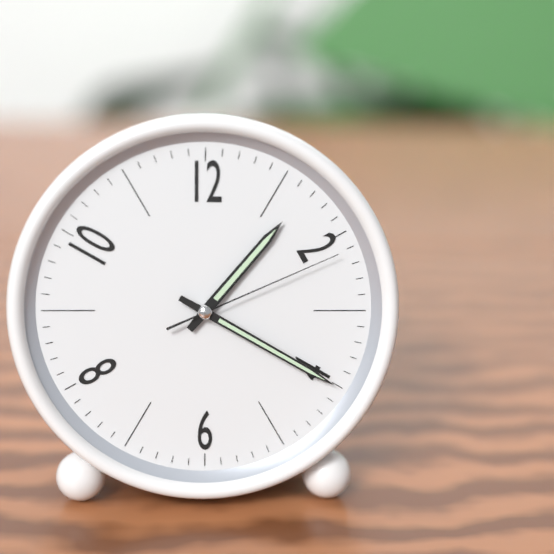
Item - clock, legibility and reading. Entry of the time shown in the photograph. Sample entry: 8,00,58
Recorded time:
1,20,11
